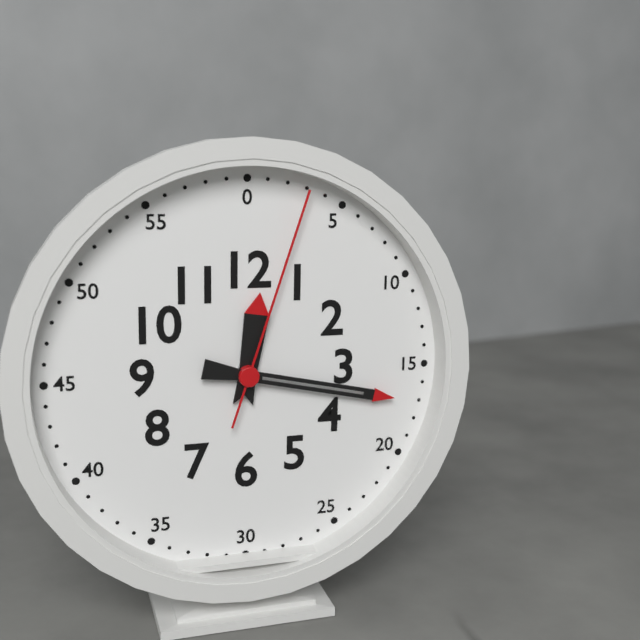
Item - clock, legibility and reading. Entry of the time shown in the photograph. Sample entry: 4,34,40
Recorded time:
12,17,03
